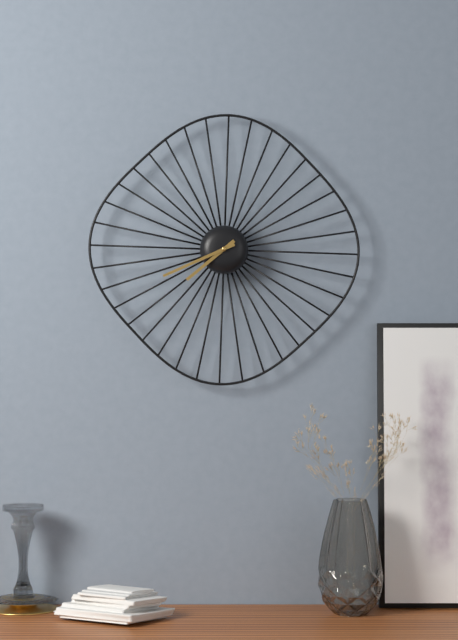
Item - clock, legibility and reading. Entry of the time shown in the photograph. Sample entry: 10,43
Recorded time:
7,41
